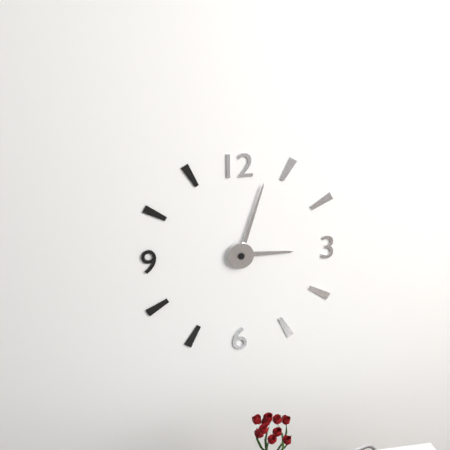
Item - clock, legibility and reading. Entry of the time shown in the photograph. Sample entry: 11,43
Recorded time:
3,03
